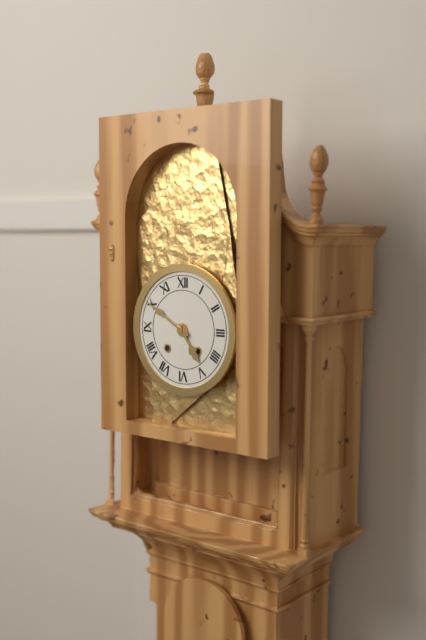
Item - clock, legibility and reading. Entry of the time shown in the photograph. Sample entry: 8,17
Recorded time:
4,50
